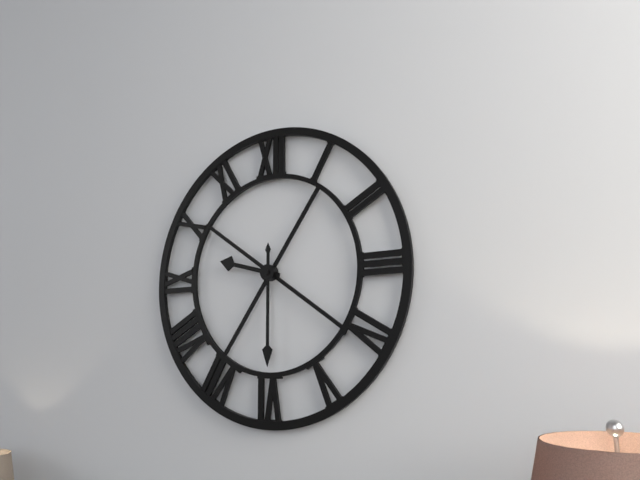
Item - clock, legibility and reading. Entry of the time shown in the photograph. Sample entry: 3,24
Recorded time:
9,30
